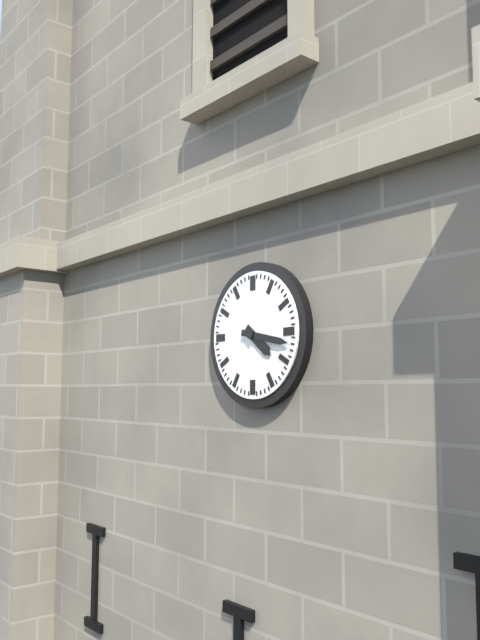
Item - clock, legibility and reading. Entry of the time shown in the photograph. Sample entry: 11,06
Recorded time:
4,17
